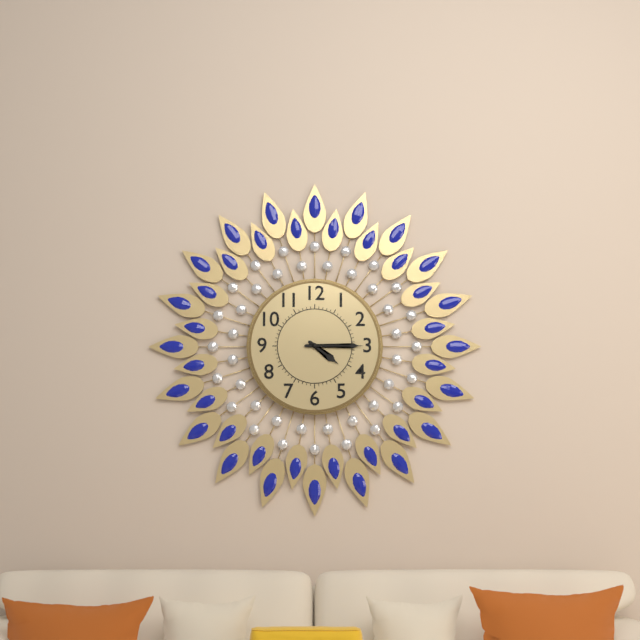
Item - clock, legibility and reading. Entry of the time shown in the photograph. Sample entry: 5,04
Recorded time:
4,15
